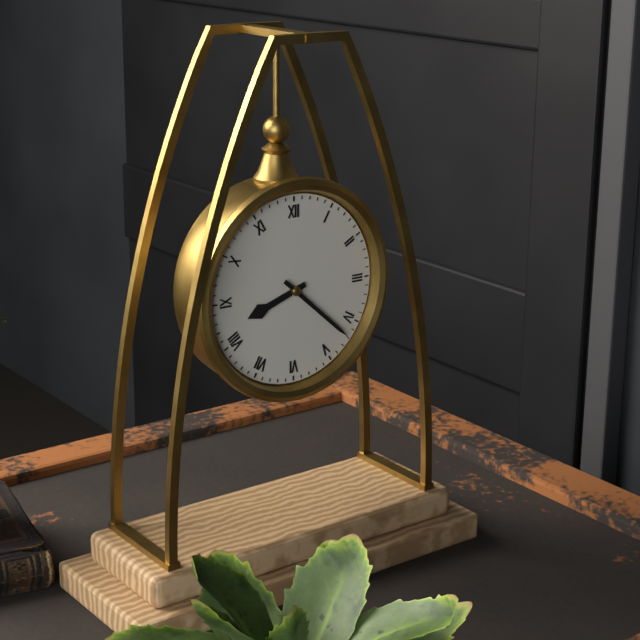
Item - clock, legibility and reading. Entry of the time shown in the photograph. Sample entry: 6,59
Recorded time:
8,22
